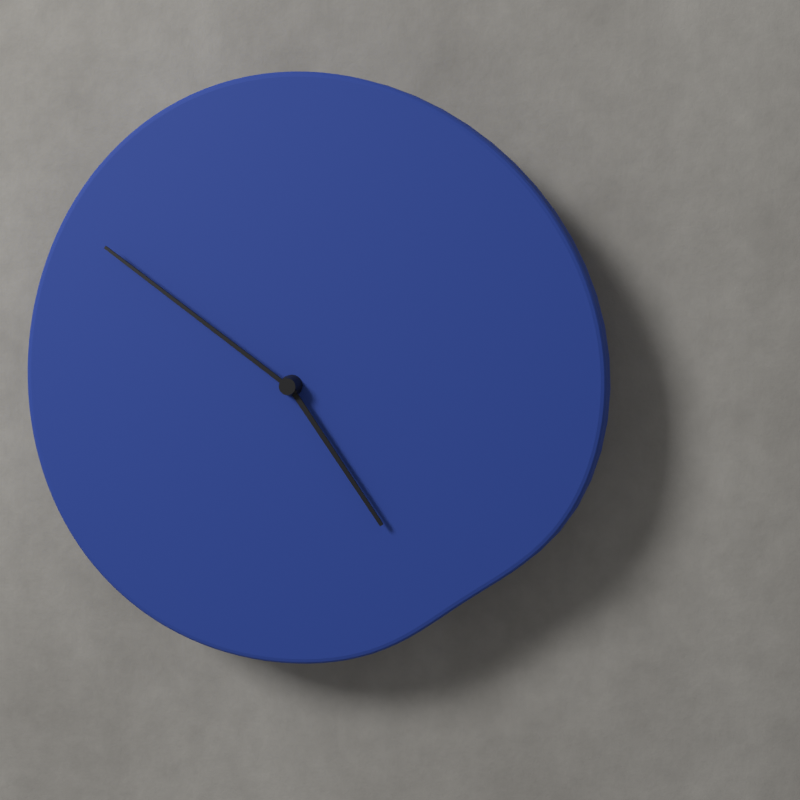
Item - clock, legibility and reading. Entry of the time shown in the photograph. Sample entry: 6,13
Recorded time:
4,51
